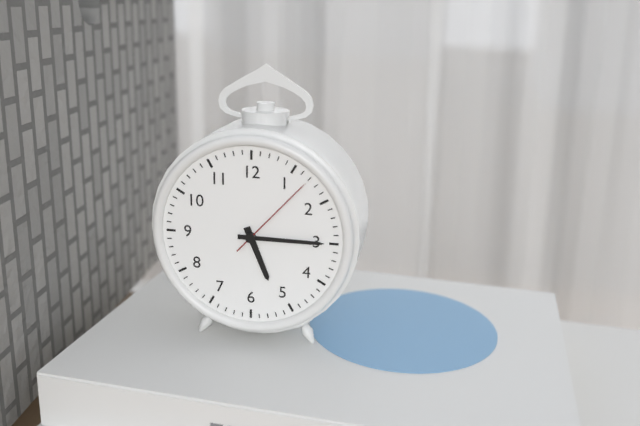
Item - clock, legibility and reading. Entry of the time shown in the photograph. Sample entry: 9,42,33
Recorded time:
5,15,07
